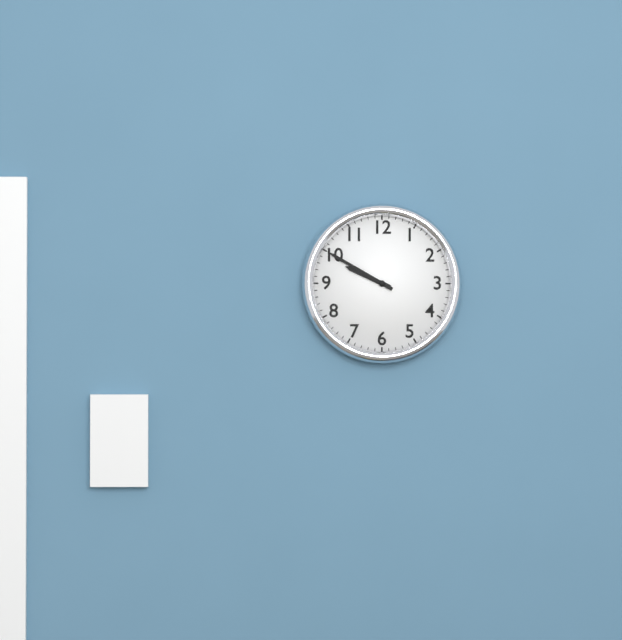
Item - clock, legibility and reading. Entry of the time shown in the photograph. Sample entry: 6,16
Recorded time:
9,50
